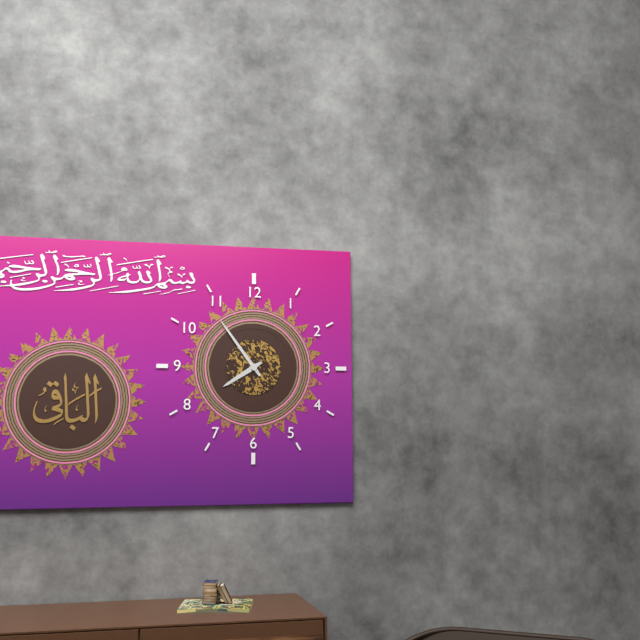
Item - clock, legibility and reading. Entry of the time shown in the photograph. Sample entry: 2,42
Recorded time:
7,54
